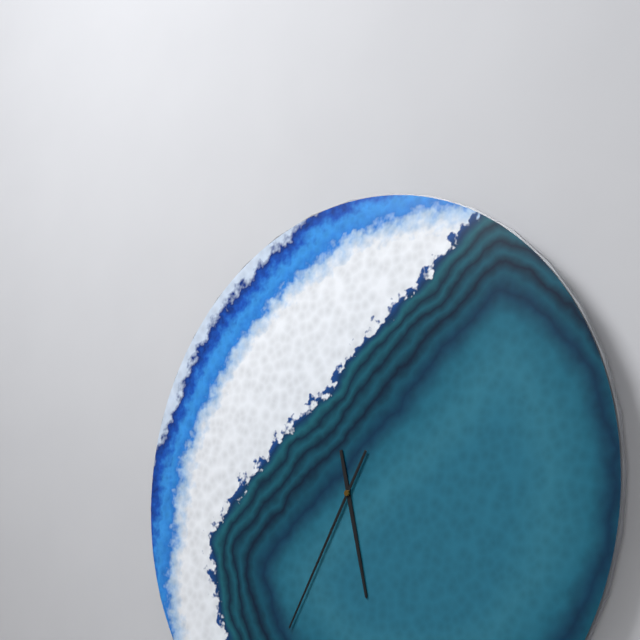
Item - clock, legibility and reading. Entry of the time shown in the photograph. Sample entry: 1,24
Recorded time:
5,35
